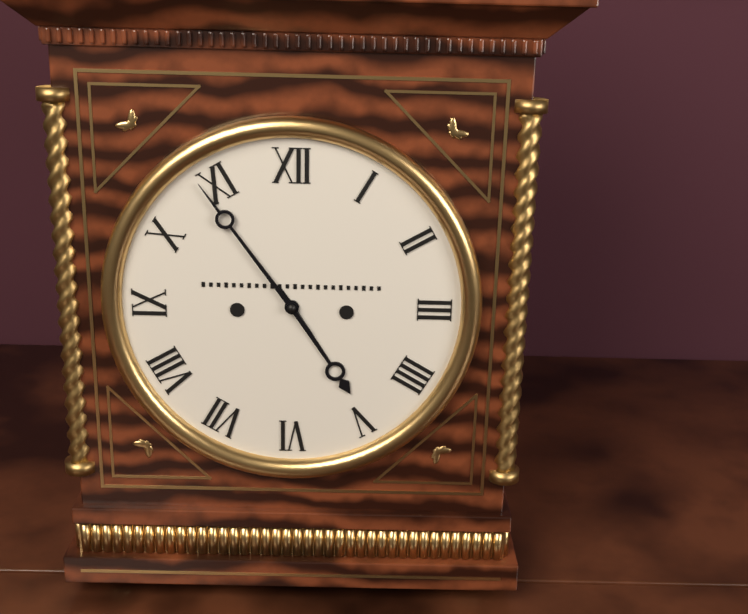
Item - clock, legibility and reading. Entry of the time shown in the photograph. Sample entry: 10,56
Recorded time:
4,54
